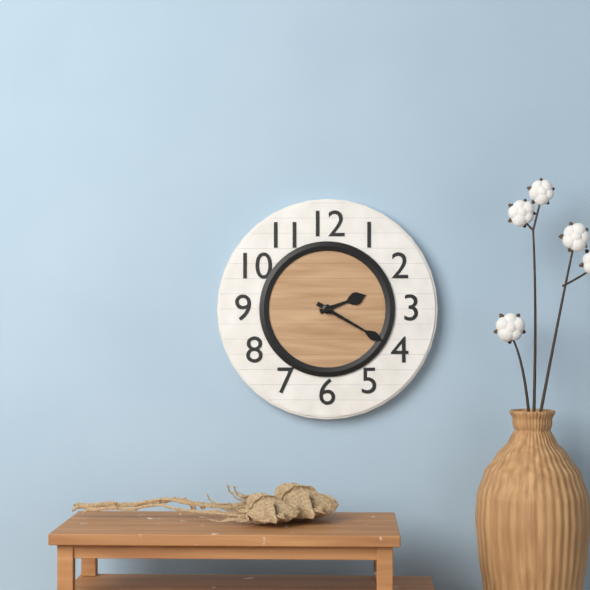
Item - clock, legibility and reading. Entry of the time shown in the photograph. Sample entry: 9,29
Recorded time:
2,20
